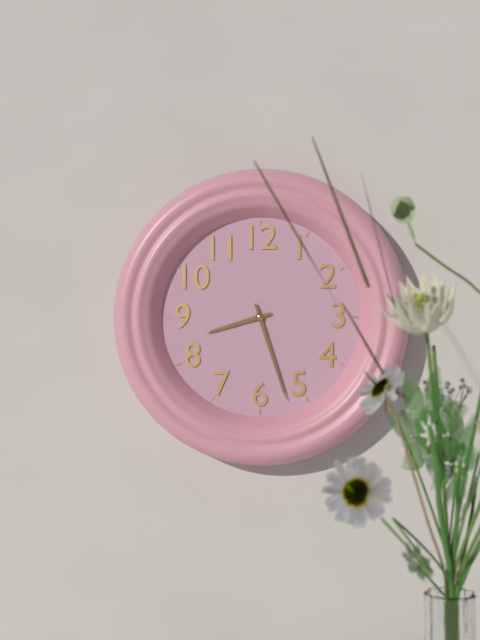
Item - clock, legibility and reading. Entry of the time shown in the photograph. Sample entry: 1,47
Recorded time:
8,27
